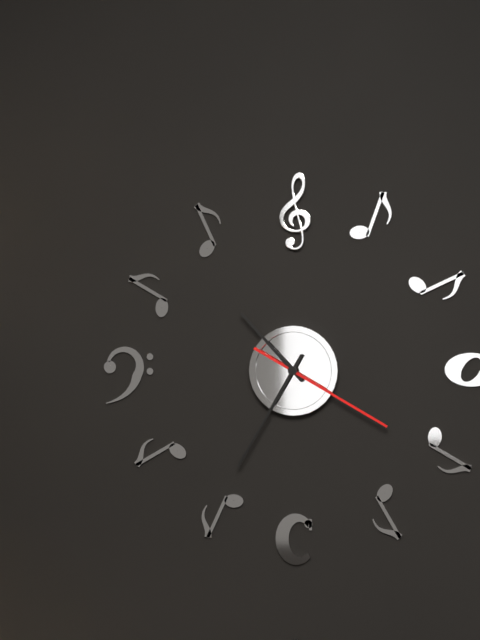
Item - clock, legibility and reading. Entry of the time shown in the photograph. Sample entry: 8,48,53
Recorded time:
10,35,20
